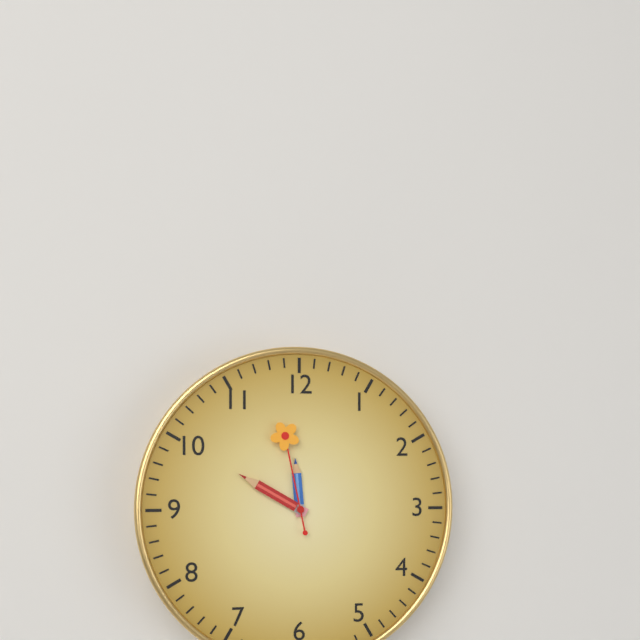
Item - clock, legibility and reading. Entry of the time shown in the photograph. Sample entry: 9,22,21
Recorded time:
11,50,58
